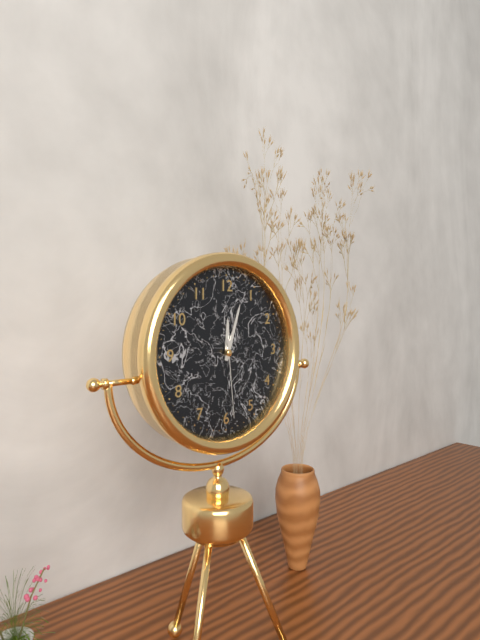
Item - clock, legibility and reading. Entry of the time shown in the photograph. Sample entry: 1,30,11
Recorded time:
12,03,29
